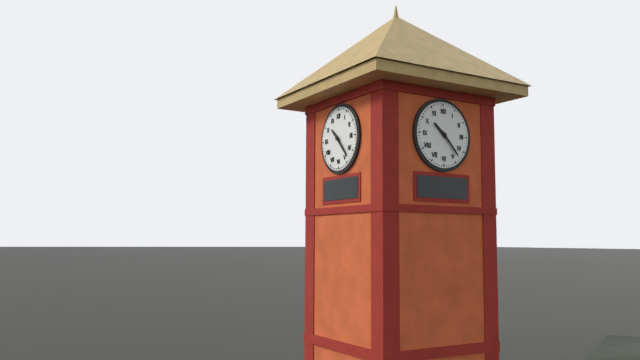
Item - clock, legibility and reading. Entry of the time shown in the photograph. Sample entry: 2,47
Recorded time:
10,23
